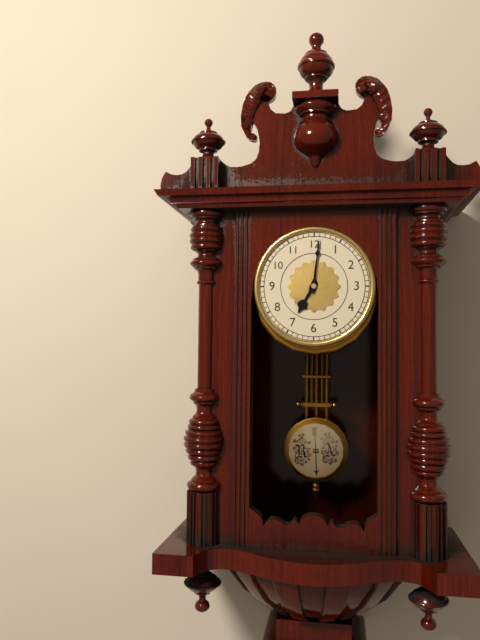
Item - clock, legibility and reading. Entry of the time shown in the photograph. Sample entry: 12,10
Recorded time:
7,01
